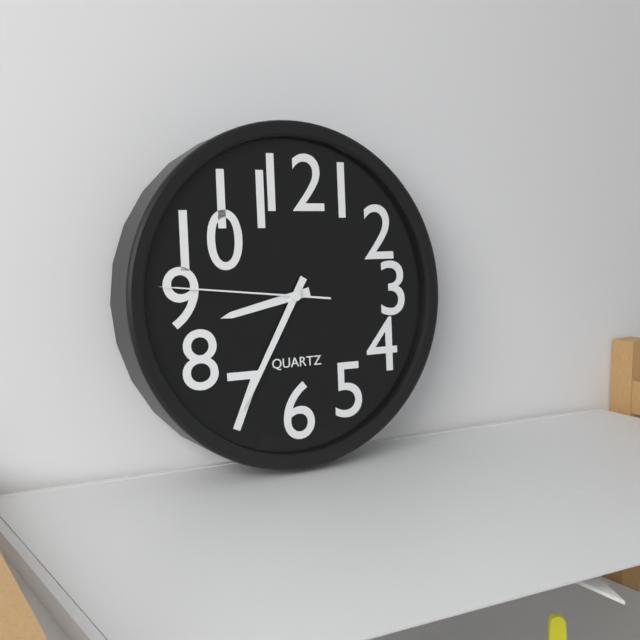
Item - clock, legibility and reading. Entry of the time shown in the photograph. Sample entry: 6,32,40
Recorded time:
8,35,46
